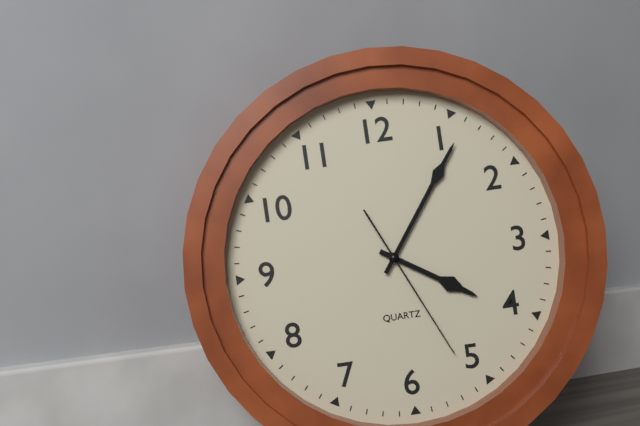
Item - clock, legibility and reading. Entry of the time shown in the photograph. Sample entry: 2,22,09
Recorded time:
4,06,26
